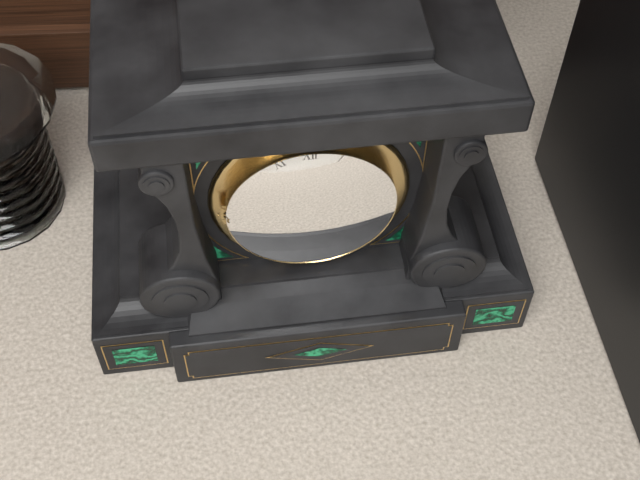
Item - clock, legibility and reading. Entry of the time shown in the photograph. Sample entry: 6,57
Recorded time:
4,14
